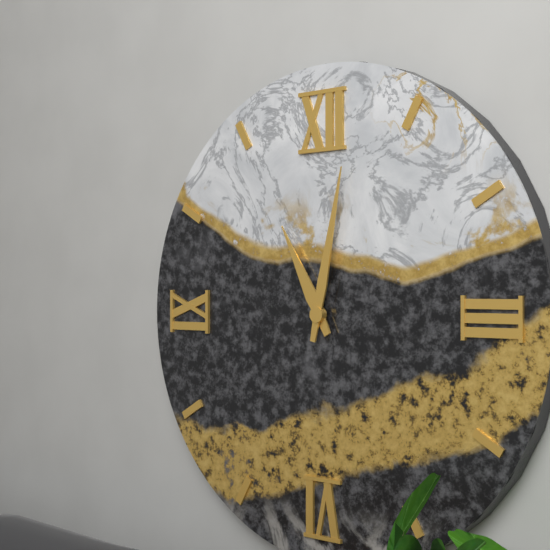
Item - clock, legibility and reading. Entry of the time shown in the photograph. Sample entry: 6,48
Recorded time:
11,02
